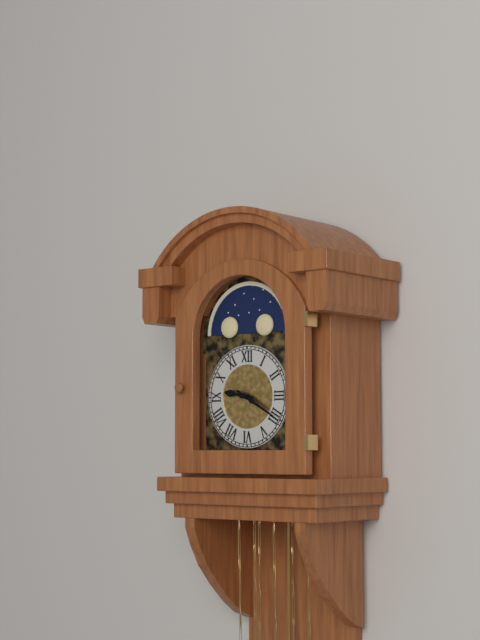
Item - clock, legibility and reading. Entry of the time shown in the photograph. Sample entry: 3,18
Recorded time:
9,20
